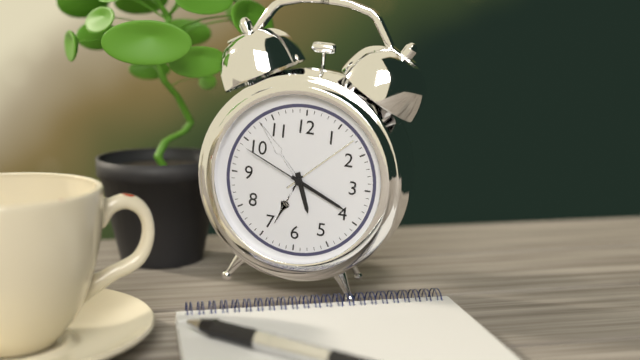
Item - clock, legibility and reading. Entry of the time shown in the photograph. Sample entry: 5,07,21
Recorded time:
5,19,49
